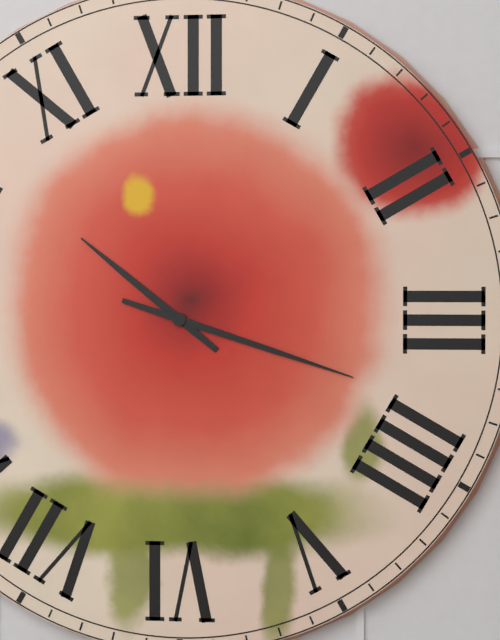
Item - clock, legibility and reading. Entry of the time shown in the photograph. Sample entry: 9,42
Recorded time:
10,18
